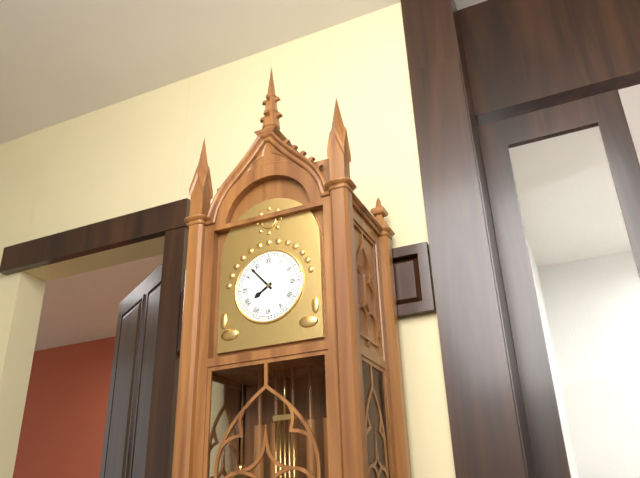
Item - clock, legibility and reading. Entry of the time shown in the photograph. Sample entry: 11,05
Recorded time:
7,53
